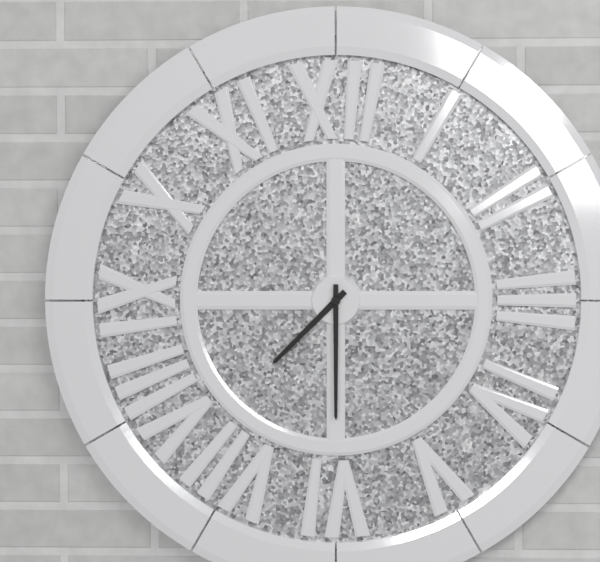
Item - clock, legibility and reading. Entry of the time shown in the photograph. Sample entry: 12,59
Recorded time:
7,30
